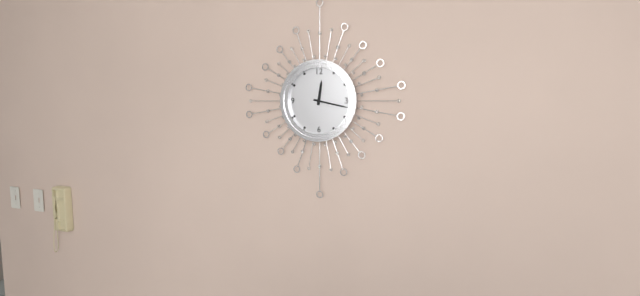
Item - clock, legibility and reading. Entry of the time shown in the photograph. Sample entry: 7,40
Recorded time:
12,17
